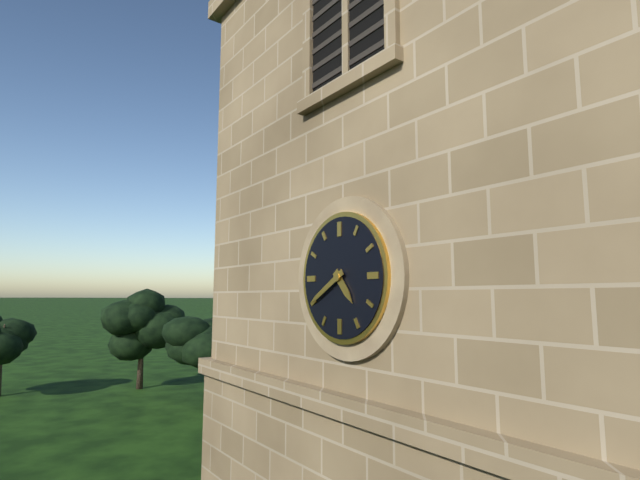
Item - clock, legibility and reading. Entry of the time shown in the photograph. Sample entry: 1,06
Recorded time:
4,40
